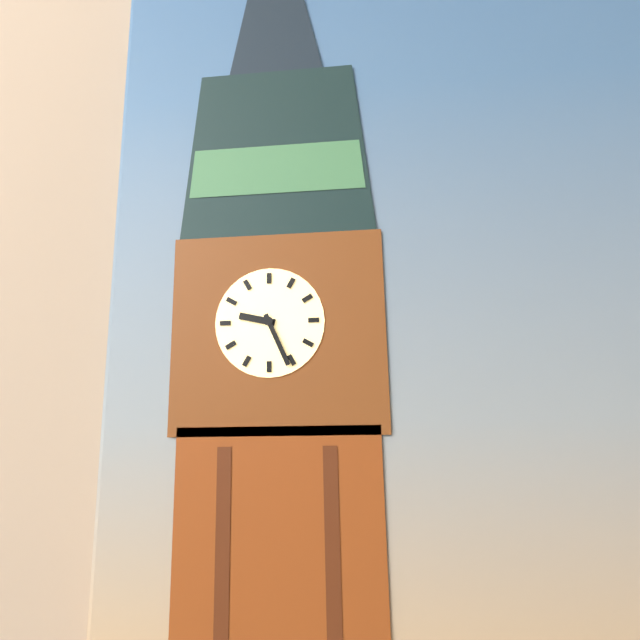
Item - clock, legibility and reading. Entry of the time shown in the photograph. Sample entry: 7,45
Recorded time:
9,26
